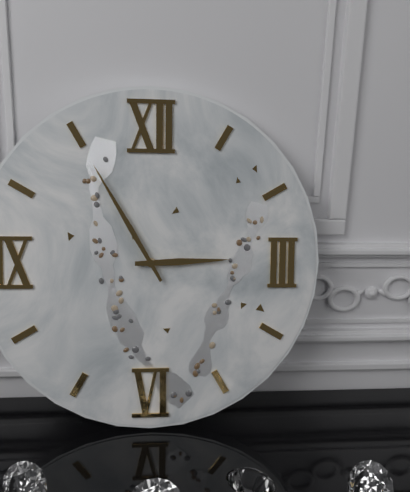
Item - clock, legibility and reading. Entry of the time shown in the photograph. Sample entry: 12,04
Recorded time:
2,55
